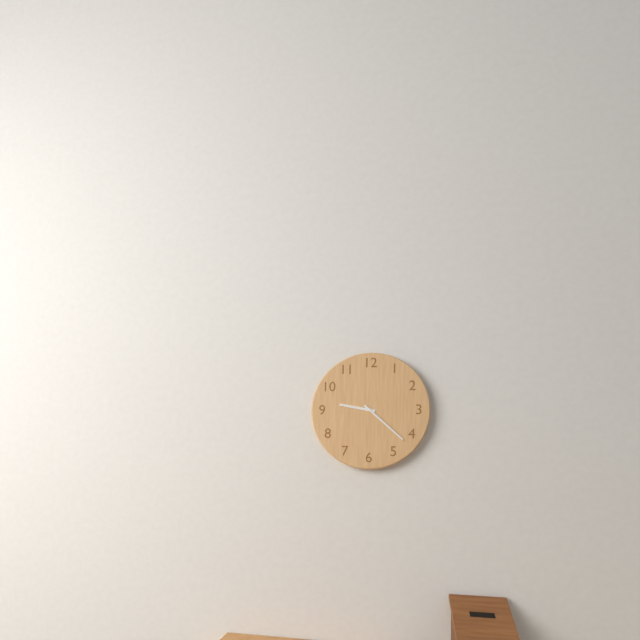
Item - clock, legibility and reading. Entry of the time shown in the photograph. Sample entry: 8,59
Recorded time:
9,22
